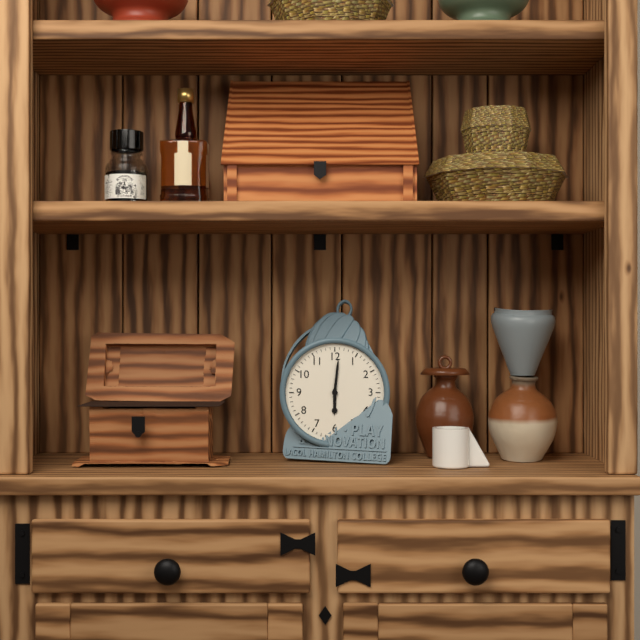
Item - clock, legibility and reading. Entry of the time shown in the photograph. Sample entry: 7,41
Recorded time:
6,01
